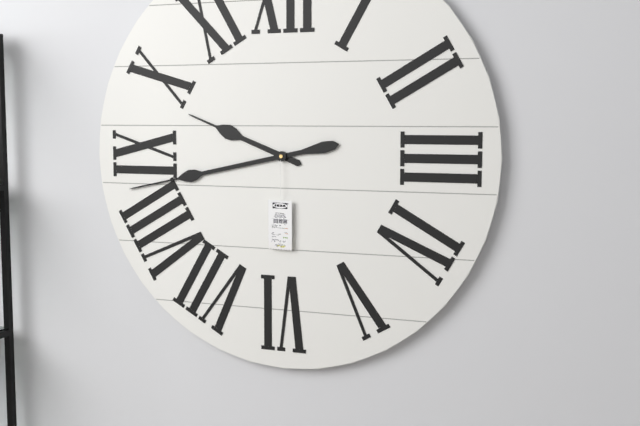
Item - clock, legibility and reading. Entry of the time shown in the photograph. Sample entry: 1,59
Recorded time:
9,43
